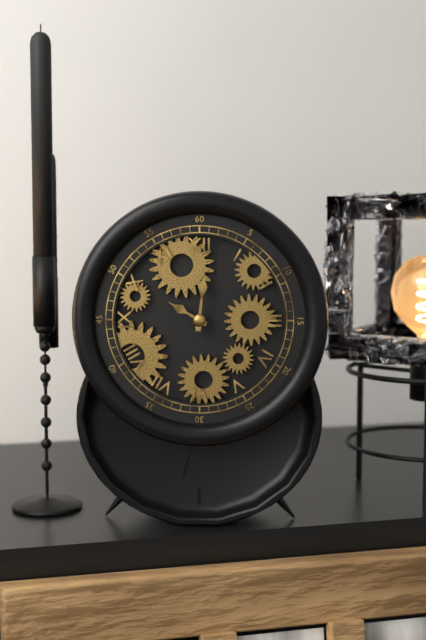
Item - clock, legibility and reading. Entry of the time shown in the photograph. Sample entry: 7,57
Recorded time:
10,01
